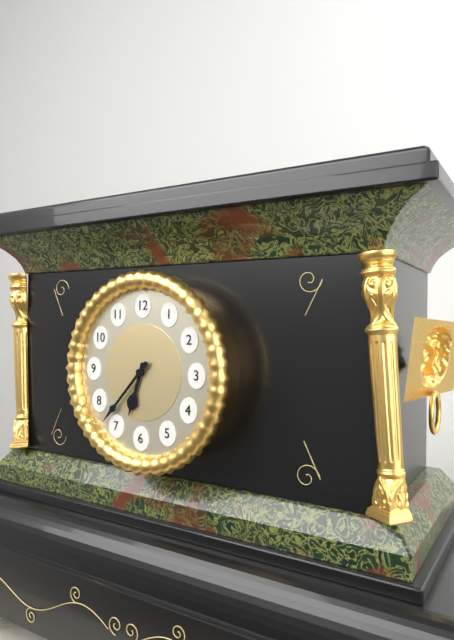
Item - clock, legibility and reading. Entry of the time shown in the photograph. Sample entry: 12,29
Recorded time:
6,37
